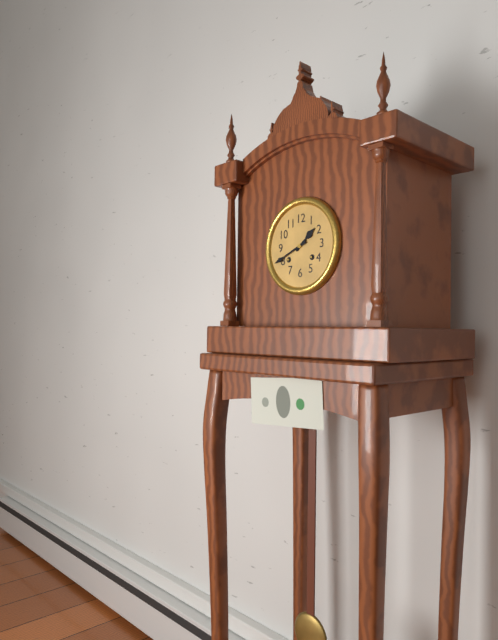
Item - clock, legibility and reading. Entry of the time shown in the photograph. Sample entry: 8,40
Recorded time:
1,41
